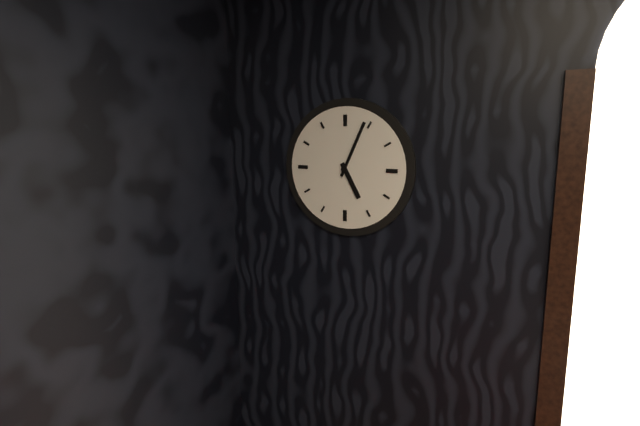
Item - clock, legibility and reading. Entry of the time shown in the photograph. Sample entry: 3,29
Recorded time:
5,04
